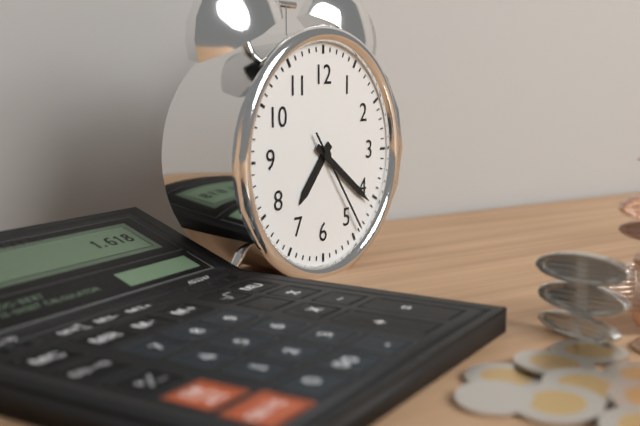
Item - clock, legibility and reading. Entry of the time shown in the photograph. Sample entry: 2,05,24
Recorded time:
7,21,24
